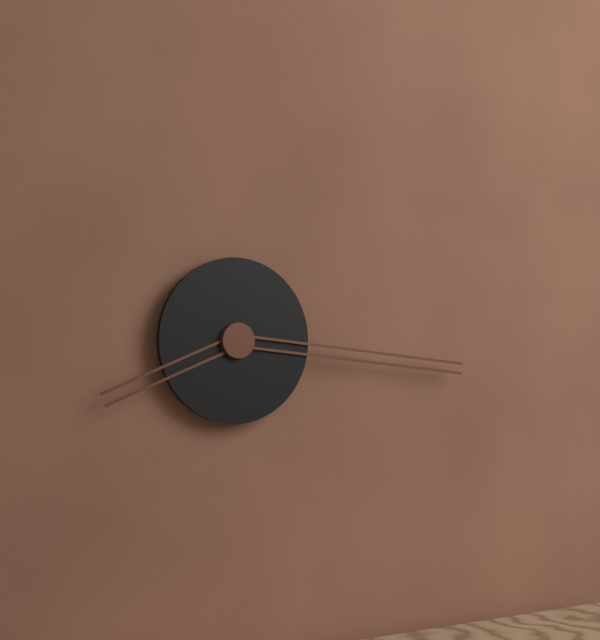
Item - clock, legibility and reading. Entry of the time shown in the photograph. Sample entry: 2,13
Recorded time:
8,16
